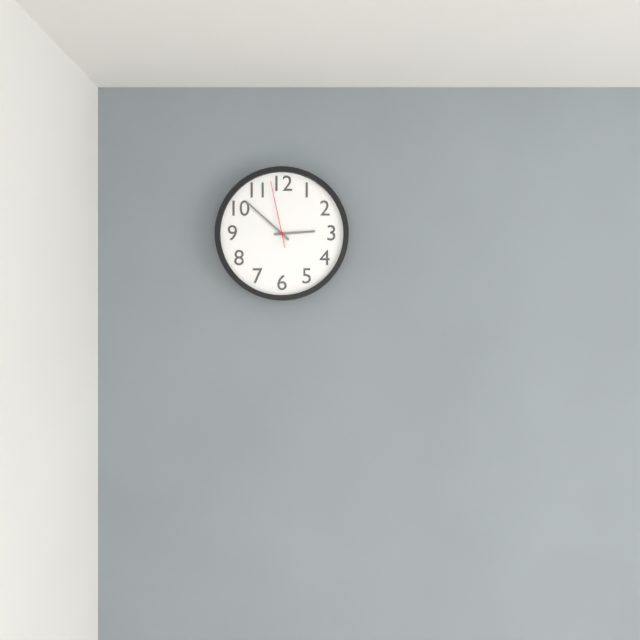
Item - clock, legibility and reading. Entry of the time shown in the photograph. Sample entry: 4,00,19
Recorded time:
2,52,58
